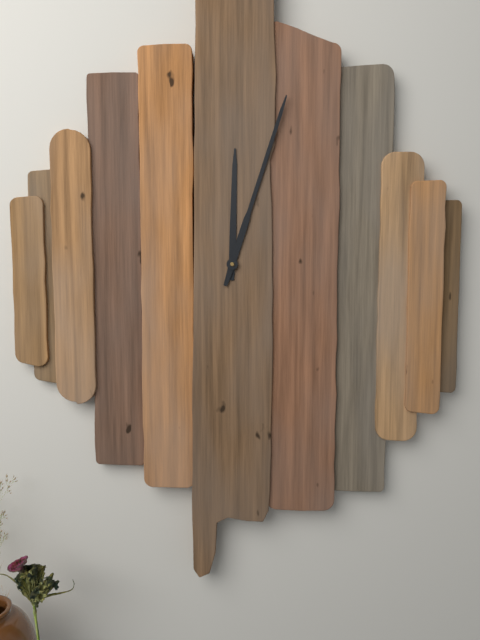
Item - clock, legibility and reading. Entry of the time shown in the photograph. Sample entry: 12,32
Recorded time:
12,03
